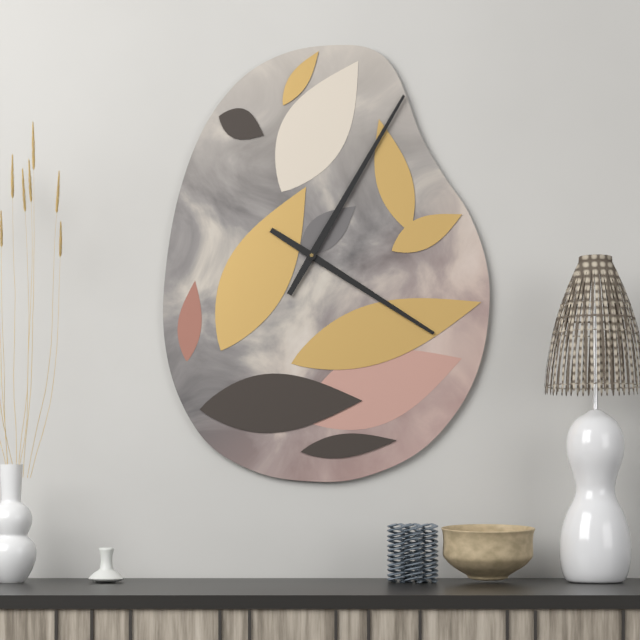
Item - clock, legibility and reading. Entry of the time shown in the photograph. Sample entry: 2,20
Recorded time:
4,05
